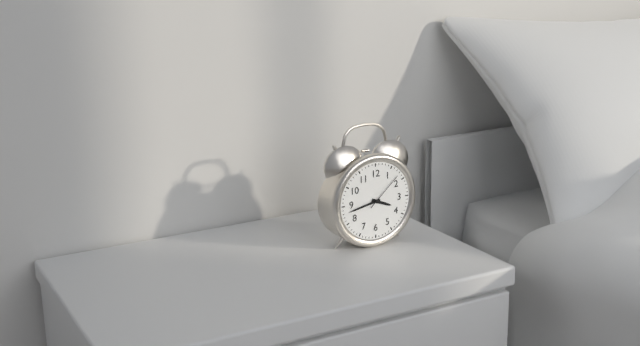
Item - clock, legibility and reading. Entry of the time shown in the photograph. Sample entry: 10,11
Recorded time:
3,43
